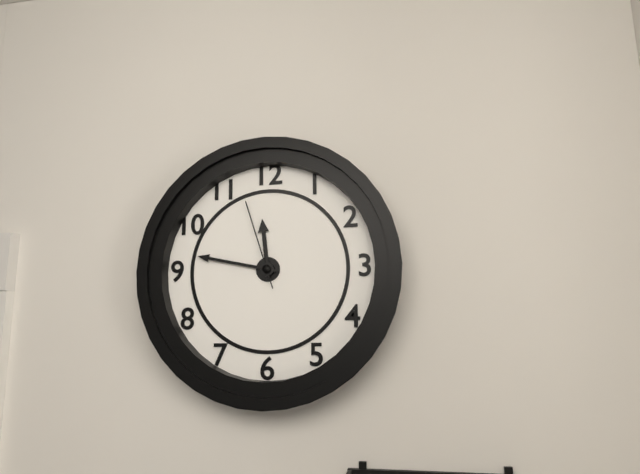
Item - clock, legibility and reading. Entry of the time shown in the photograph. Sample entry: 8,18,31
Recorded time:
11,47,57
